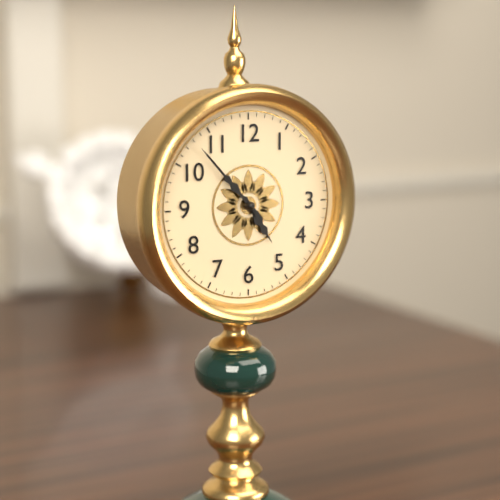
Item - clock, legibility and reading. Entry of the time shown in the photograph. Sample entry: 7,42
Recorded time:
4,53
